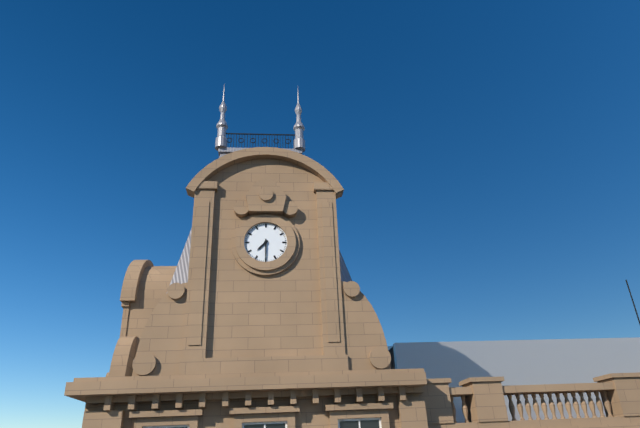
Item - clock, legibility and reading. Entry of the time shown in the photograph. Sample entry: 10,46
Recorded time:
7,30
